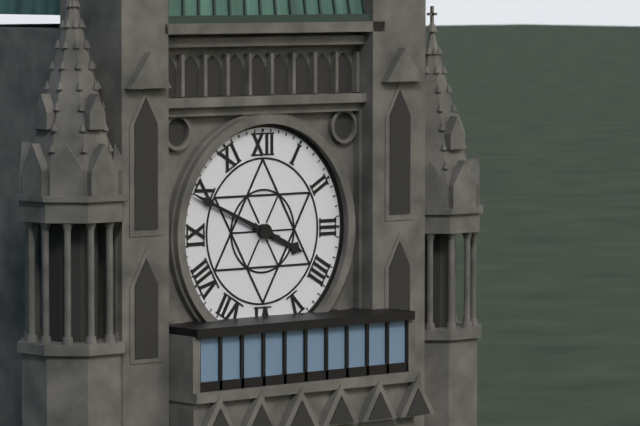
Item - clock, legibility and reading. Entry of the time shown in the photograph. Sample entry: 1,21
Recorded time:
3,49
